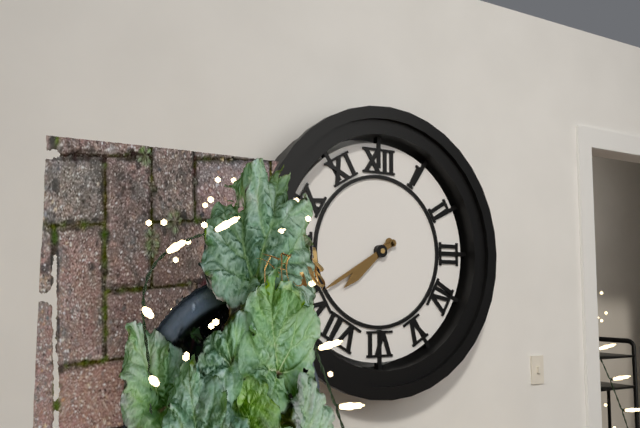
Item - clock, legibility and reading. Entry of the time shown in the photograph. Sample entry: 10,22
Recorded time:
7,40
